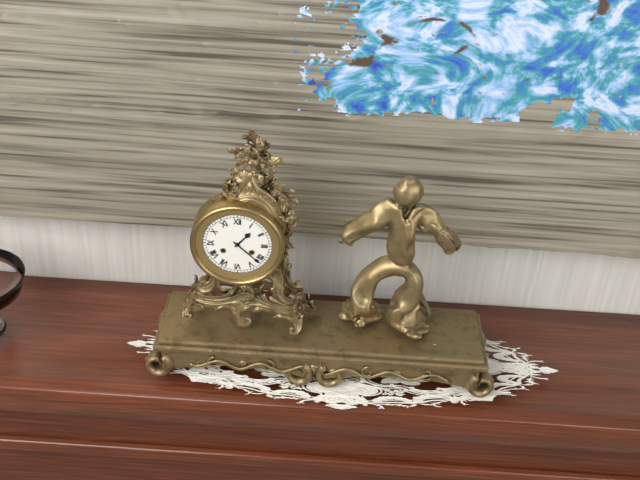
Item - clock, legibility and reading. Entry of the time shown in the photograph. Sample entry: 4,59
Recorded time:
1,22
